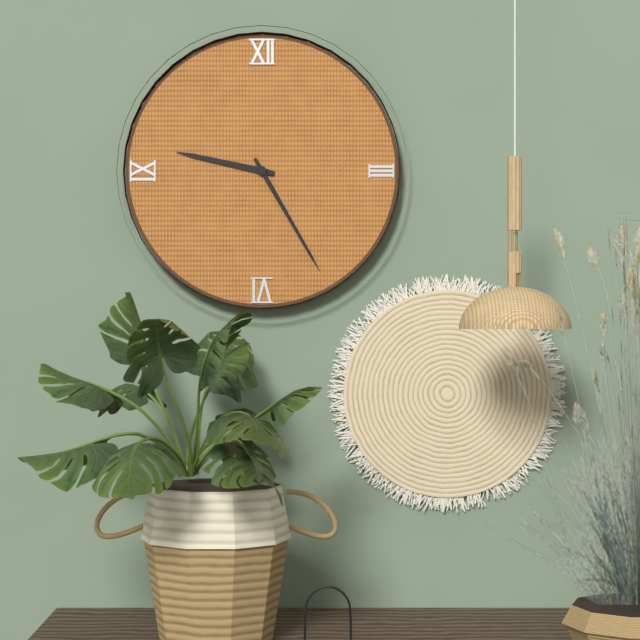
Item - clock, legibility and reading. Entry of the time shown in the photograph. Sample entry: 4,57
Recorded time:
9,25
